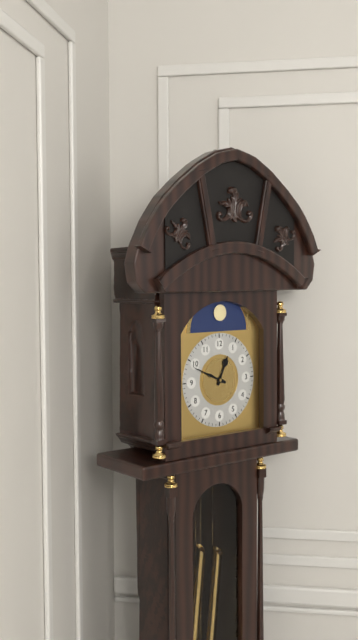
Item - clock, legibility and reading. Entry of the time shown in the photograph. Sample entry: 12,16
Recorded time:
12,49
